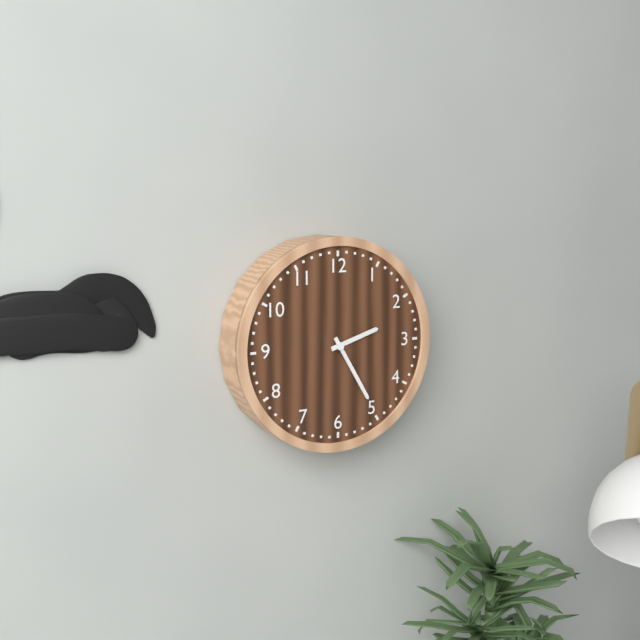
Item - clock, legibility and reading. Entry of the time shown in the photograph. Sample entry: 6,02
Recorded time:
2,25
